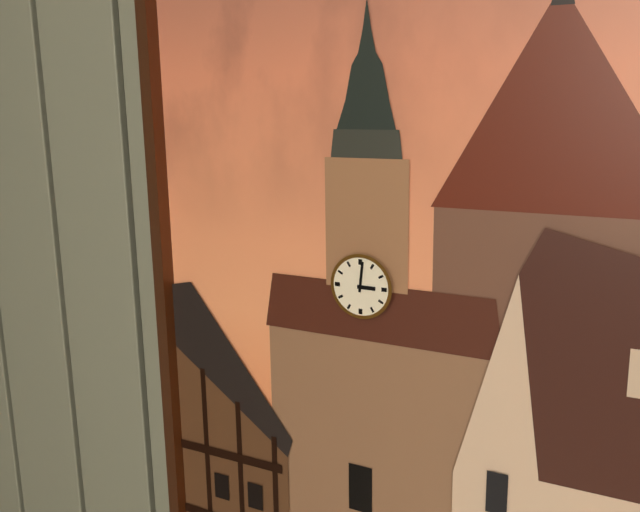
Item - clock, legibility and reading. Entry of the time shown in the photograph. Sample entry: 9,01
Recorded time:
3,01
